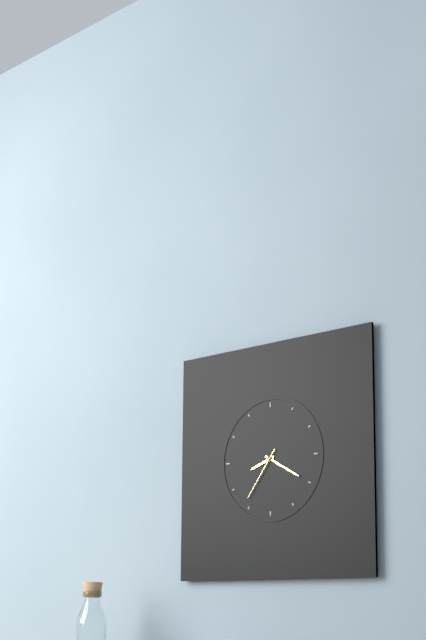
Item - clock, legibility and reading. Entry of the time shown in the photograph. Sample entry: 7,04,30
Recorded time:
8,20,36
